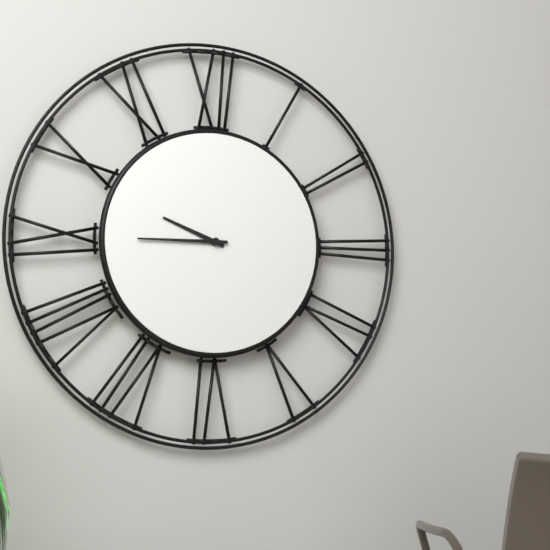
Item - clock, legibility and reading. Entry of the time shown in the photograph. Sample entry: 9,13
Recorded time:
9,45
